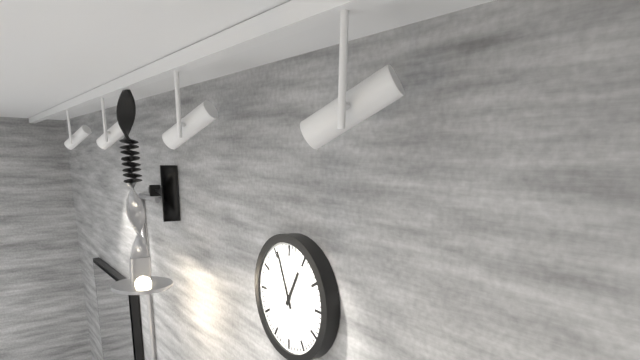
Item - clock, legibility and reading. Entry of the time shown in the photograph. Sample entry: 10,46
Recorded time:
12,56
